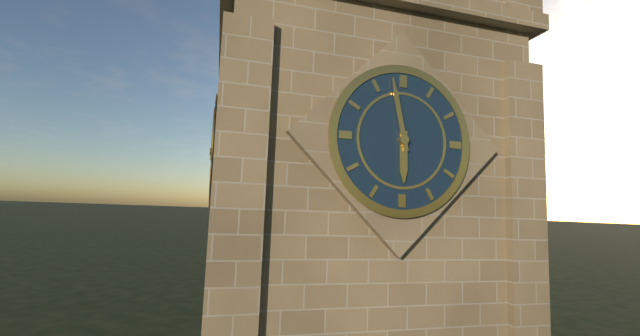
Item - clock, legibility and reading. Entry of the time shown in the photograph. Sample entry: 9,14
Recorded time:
5,58
